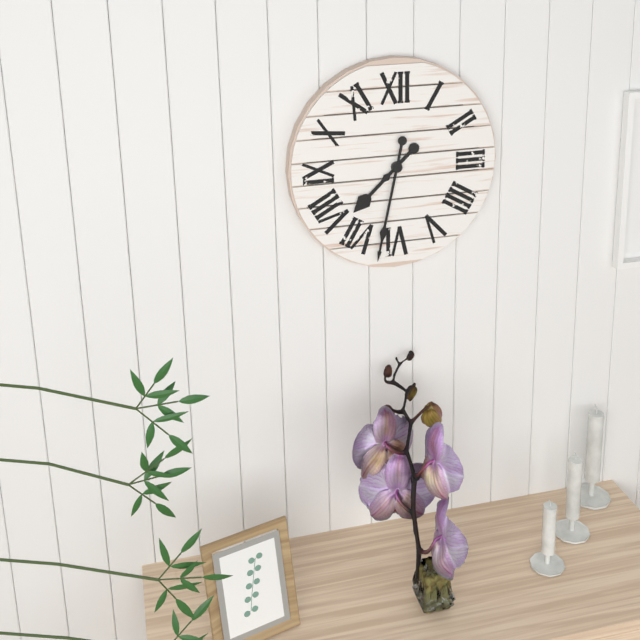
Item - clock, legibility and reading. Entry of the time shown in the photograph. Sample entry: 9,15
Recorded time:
7,32
